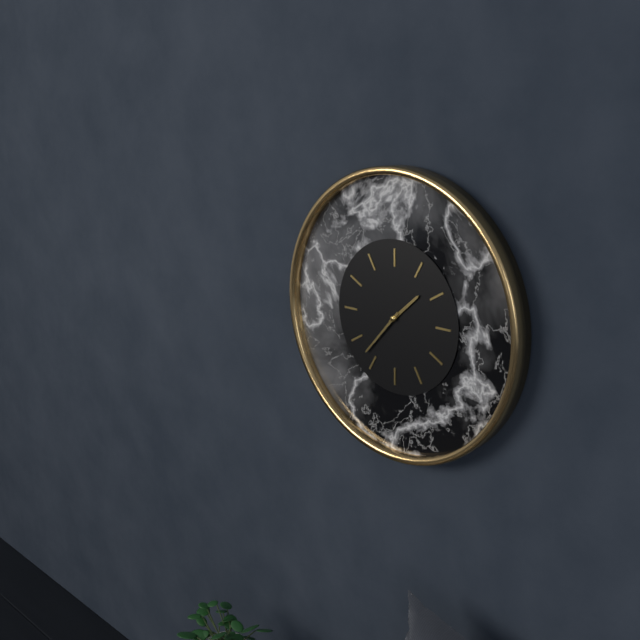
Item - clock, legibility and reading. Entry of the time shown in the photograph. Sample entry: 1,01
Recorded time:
1,37
